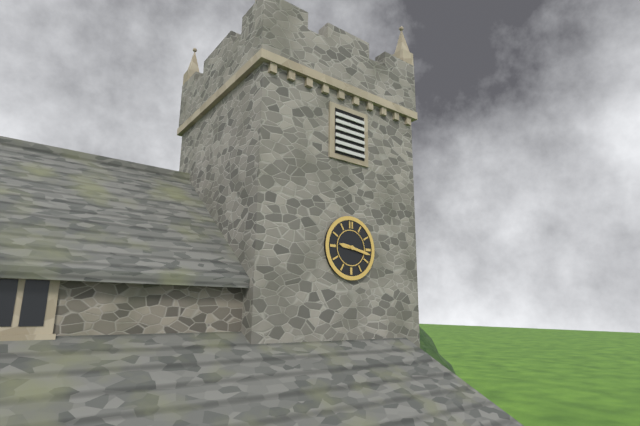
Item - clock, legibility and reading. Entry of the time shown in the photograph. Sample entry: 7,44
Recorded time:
9,17
